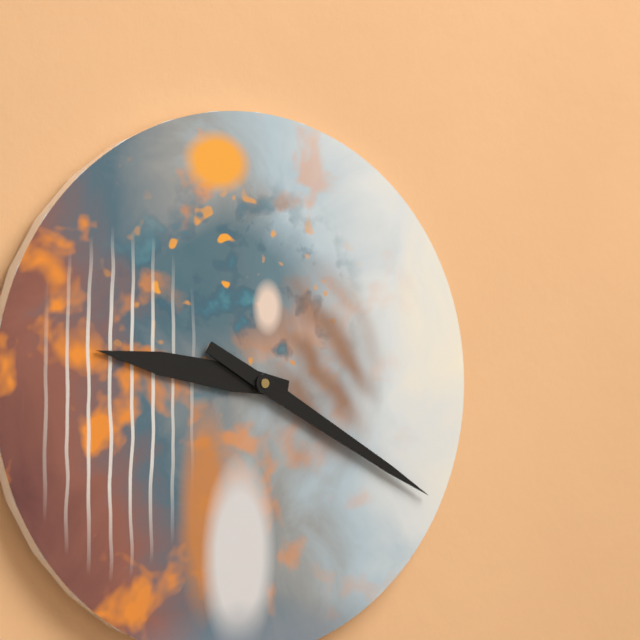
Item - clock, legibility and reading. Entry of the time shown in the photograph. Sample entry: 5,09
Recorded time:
9,20
